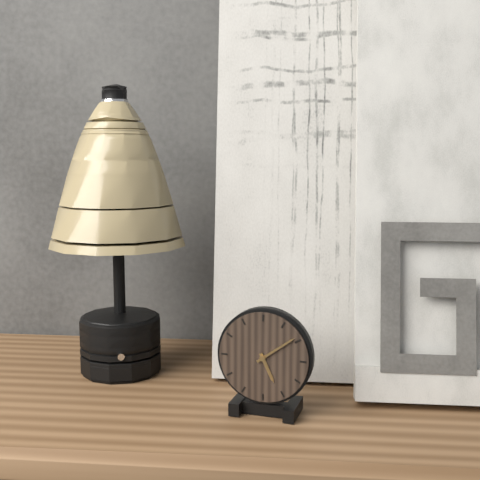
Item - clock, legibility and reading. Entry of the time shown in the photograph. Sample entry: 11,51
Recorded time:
5,09
